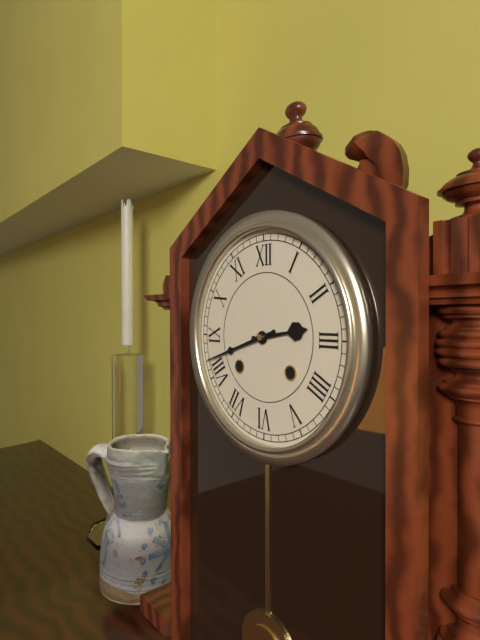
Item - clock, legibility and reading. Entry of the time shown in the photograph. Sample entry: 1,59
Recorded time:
2,42
